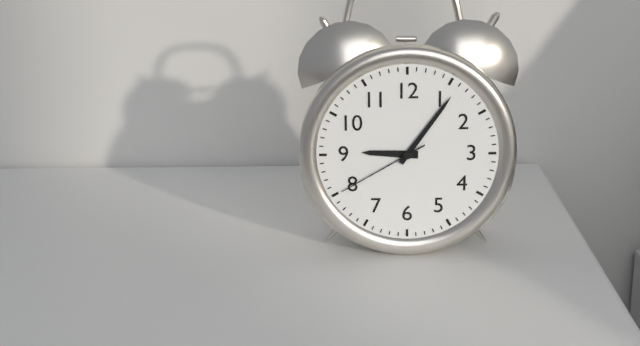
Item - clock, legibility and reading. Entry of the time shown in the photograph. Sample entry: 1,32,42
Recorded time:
9,06,40
